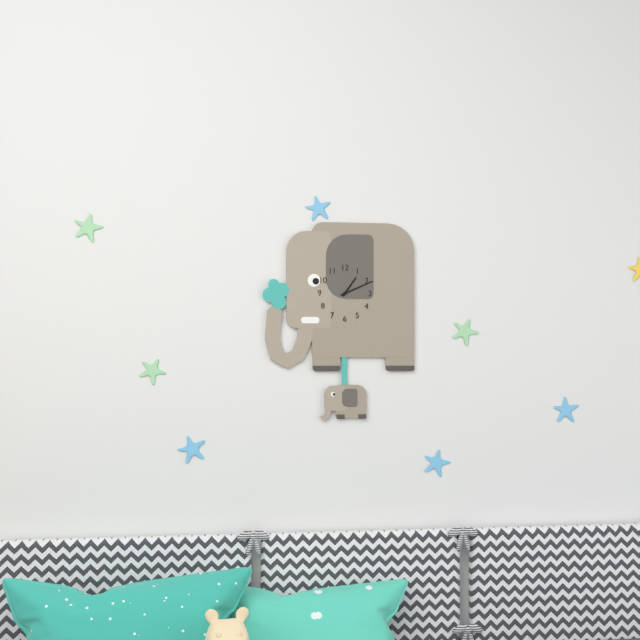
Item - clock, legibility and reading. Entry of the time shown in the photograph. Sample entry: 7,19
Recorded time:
1,11
